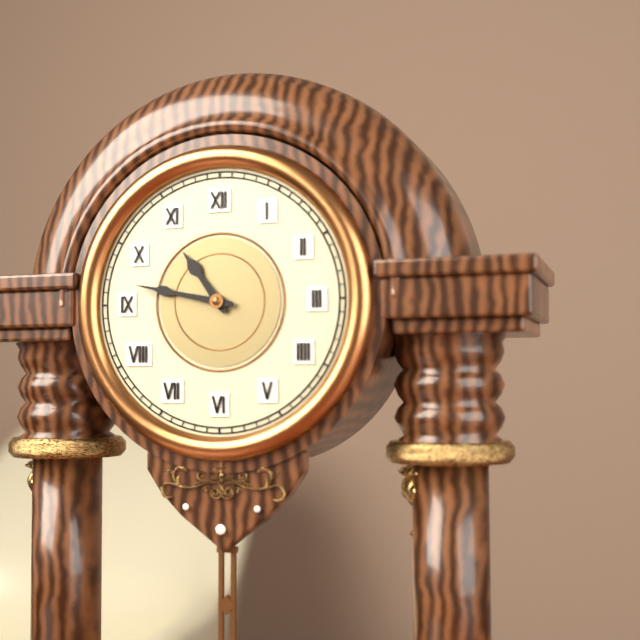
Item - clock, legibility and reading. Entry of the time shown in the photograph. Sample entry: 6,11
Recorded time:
10,47
